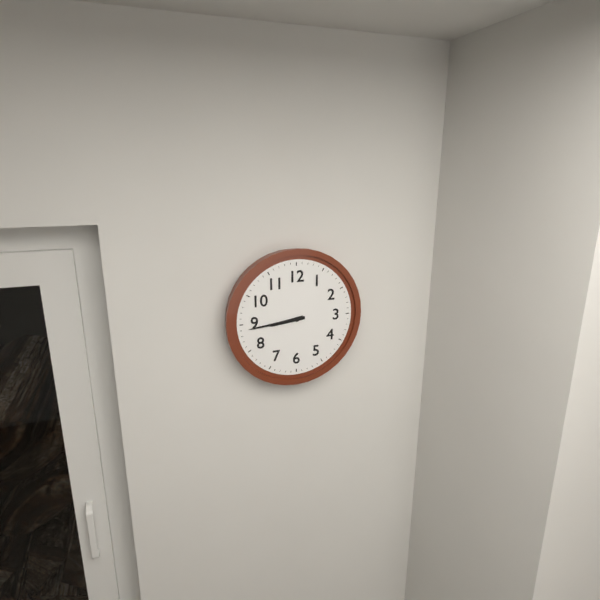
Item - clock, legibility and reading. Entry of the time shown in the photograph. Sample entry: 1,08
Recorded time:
8,44
